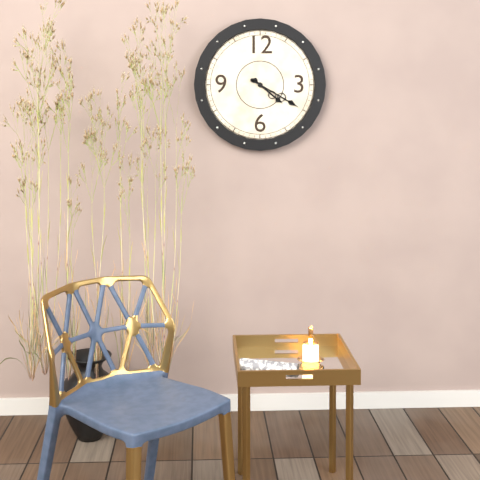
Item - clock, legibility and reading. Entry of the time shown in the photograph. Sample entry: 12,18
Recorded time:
4,20
